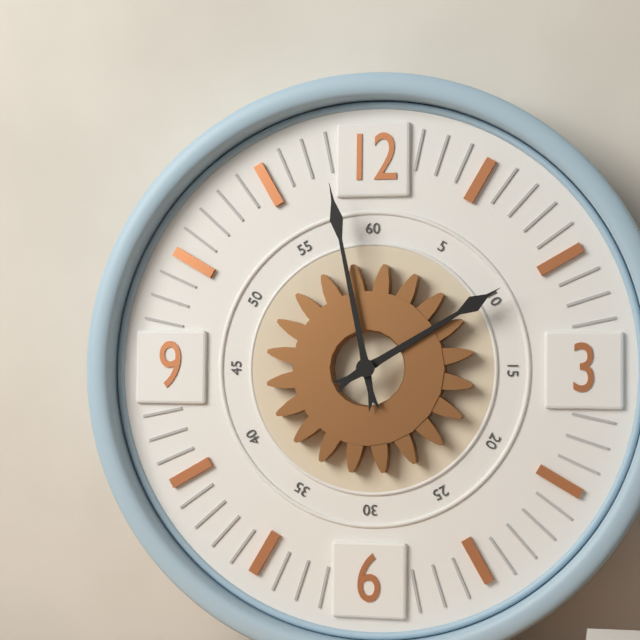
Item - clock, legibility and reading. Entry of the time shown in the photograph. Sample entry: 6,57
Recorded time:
1,58
